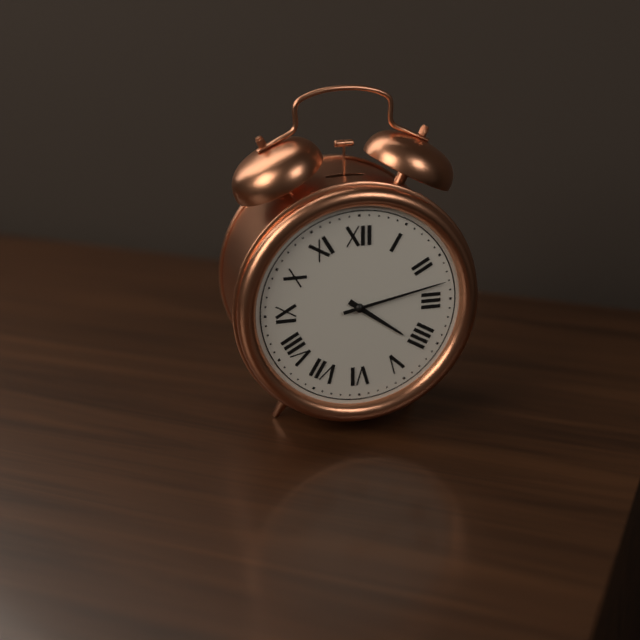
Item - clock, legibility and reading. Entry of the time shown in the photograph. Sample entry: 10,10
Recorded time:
4,13
